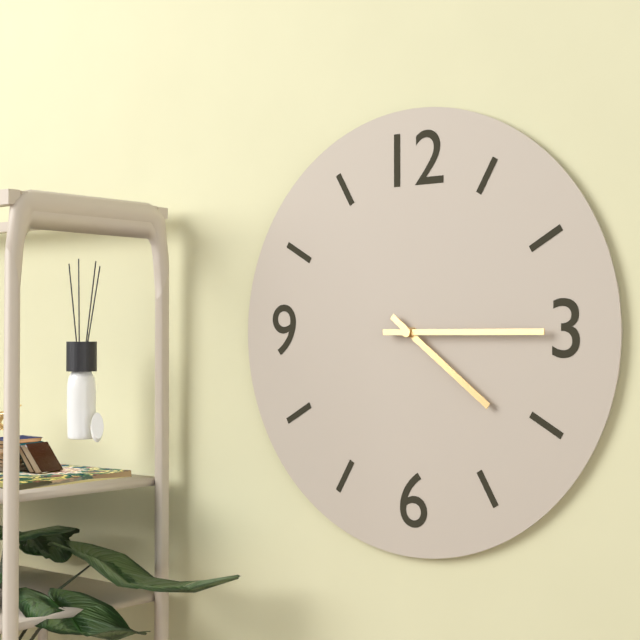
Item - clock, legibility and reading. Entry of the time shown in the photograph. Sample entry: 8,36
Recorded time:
4,15
